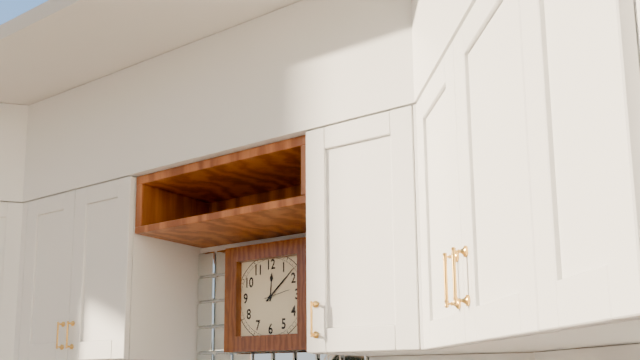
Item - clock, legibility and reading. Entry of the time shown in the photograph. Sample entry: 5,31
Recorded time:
12,08
